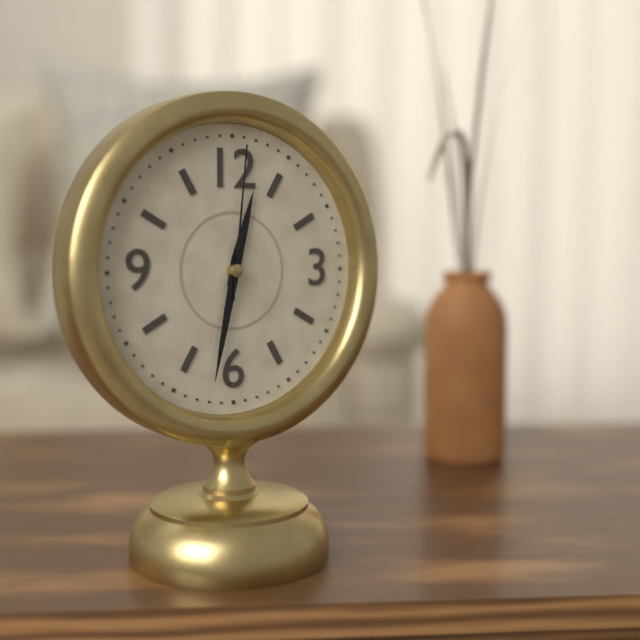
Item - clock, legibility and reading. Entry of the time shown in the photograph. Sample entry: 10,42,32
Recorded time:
12,32,01
